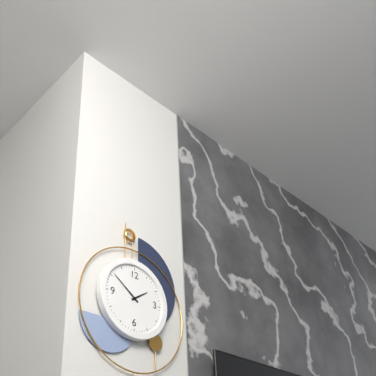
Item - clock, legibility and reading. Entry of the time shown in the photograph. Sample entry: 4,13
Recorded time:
1,51
